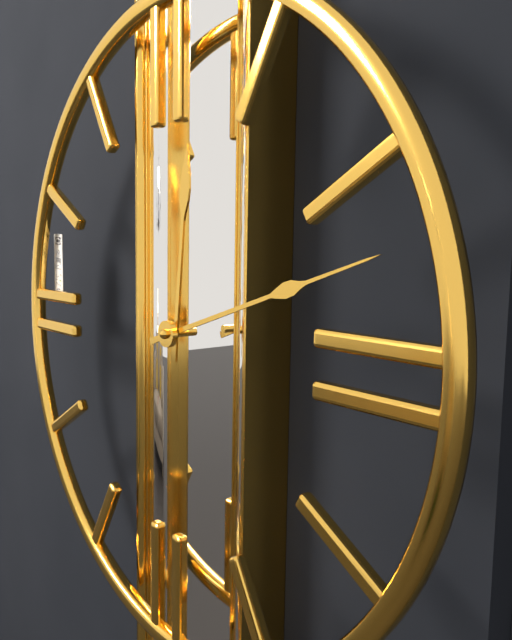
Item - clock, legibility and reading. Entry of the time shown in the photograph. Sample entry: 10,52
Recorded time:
12,12
